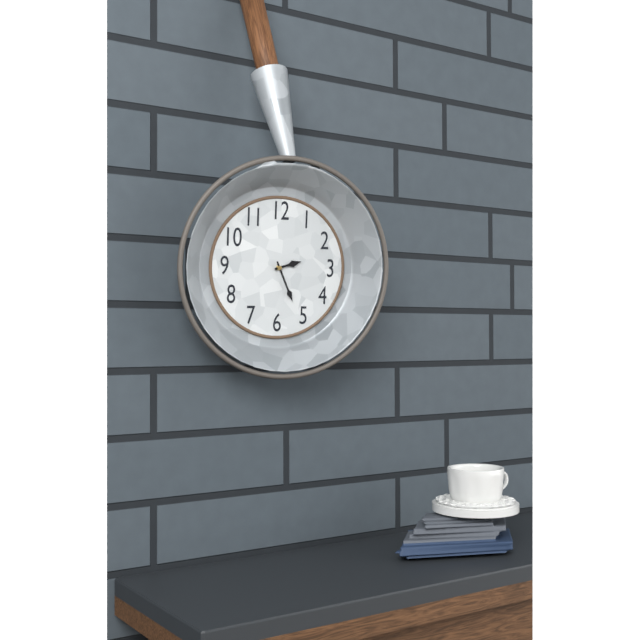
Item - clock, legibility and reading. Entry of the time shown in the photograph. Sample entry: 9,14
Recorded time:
2,26
